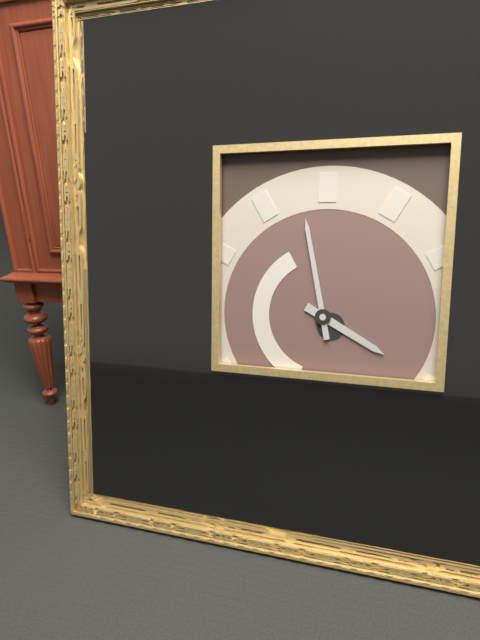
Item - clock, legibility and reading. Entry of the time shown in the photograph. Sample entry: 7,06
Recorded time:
3,58
